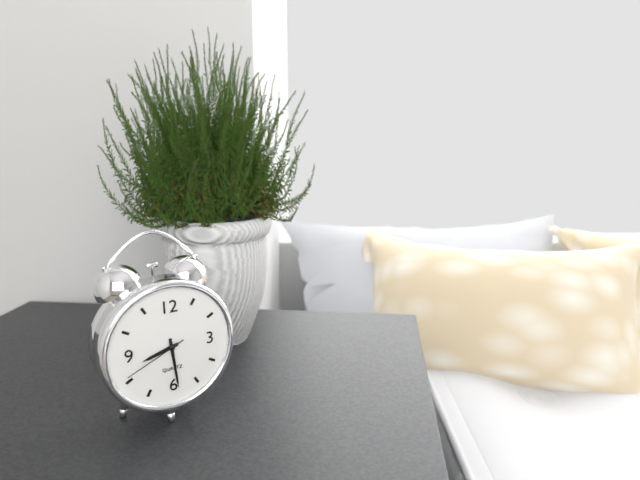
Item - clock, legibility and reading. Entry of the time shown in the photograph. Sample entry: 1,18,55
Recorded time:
8,29,41
